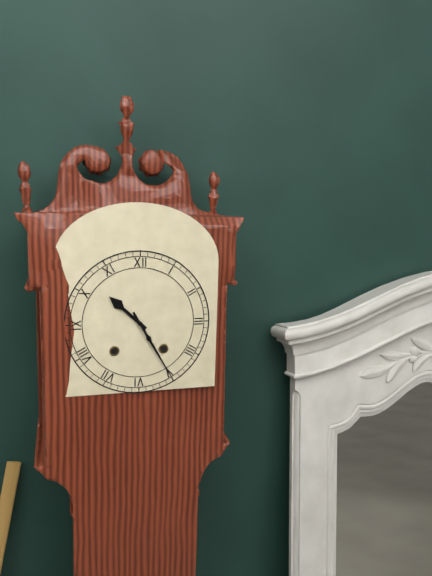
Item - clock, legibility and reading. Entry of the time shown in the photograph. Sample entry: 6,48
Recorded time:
10,25
